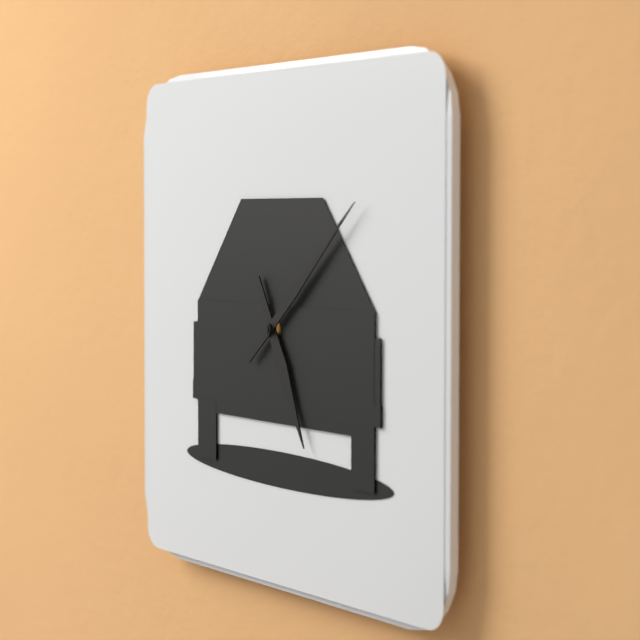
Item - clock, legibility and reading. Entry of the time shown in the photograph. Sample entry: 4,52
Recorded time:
5,08
